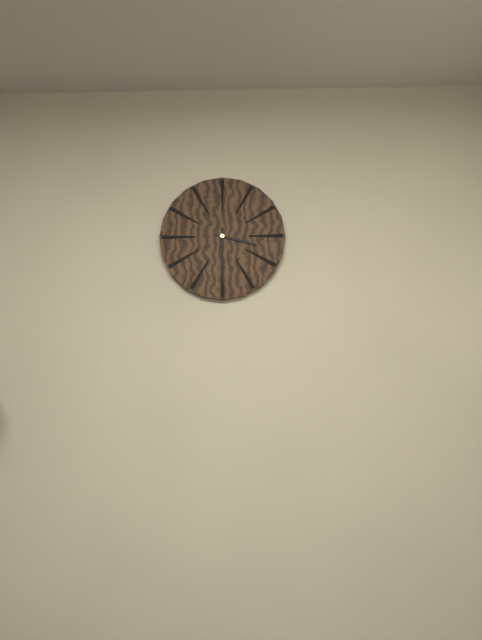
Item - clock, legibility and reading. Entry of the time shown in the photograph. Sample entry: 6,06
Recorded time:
3,30
